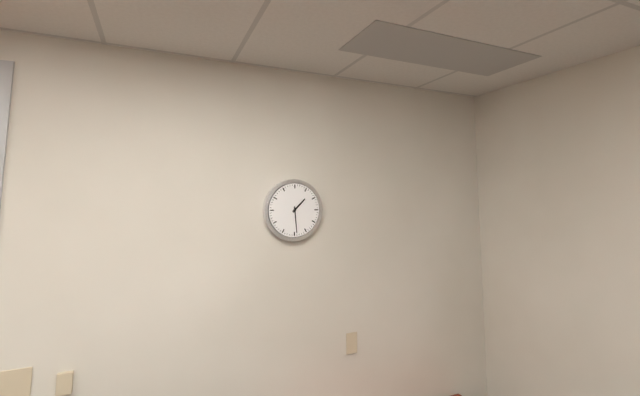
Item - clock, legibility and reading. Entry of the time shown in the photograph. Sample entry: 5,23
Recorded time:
1,29
